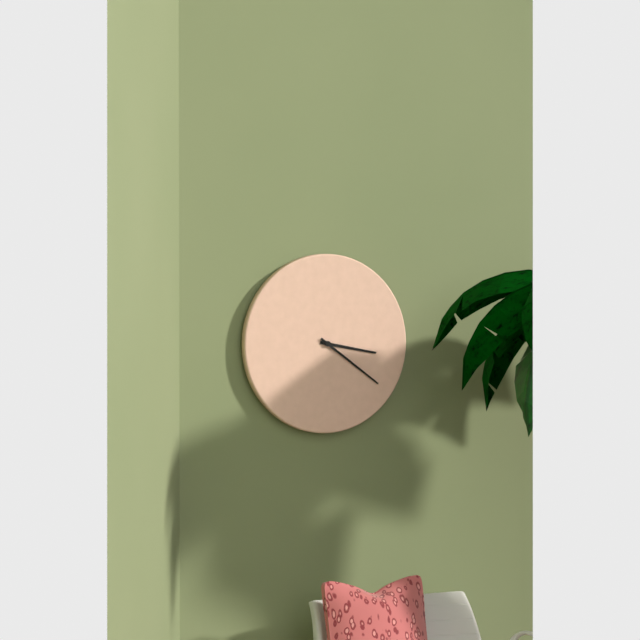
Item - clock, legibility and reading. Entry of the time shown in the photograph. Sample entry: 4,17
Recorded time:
3,21
